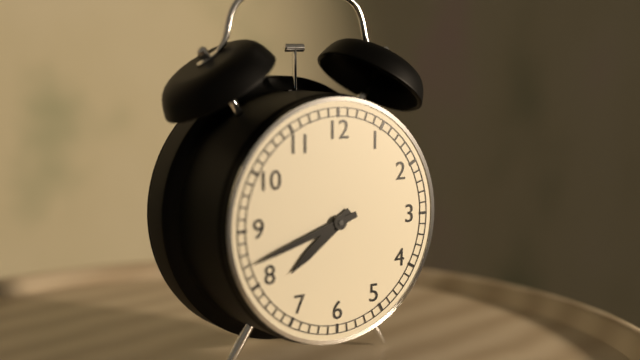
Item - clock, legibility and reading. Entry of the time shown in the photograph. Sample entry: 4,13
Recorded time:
7,42
